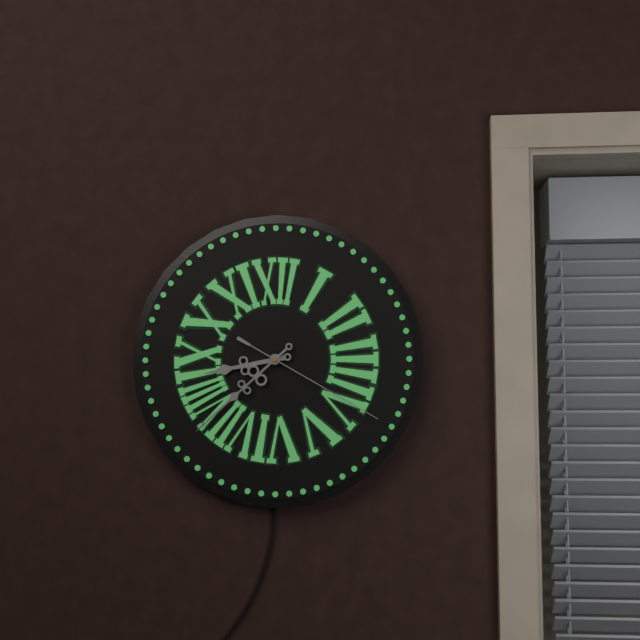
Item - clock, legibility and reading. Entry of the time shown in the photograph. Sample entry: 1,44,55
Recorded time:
8,38,20
